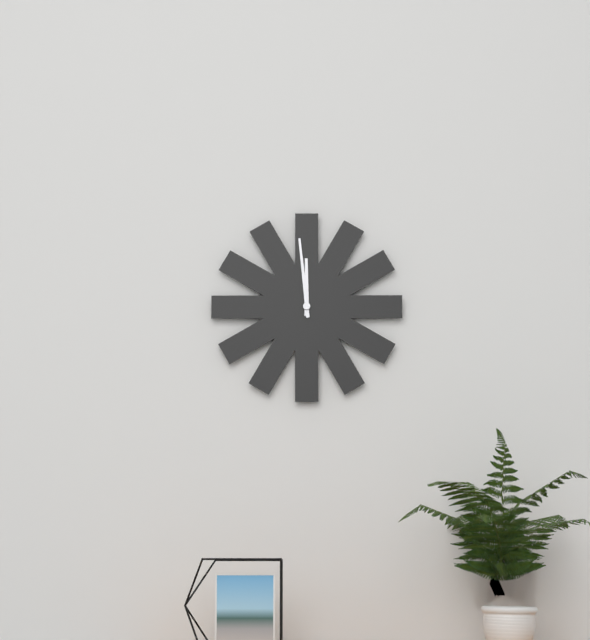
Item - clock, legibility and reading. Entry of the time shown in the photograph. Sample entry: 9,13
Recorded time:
11,59
